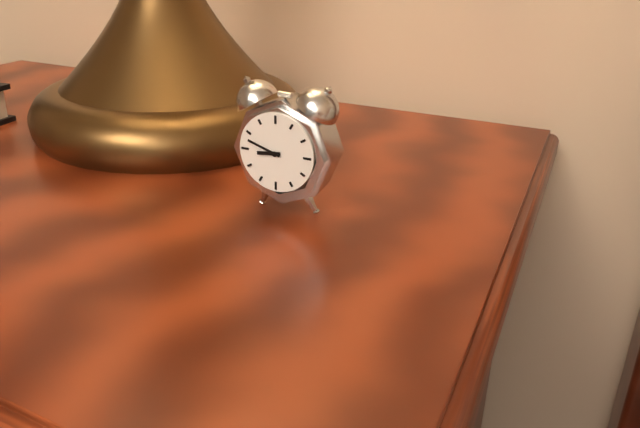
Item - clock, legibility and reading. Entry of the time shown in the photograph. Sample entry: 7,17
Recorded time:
8,48
